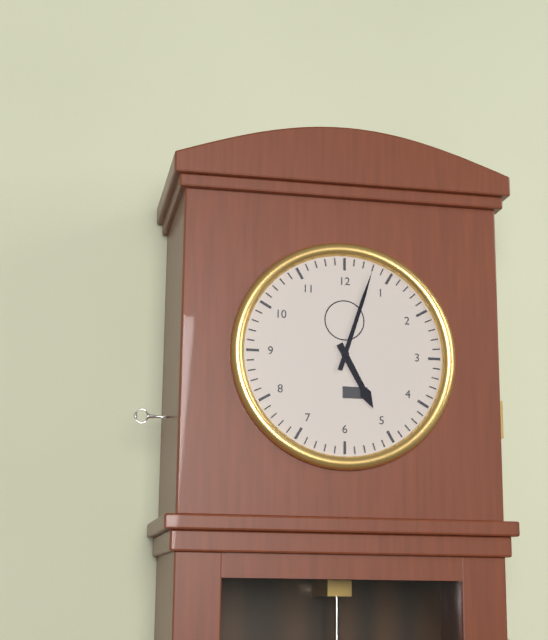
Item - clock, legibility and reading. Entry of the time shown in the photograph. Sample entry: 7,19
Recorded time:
5,03
